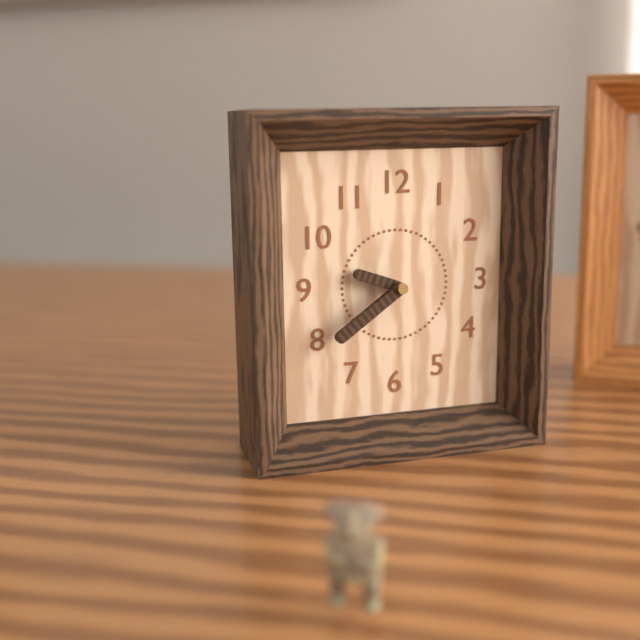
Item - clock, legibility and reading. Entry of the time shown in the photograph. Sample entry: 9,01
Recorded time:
9,39
